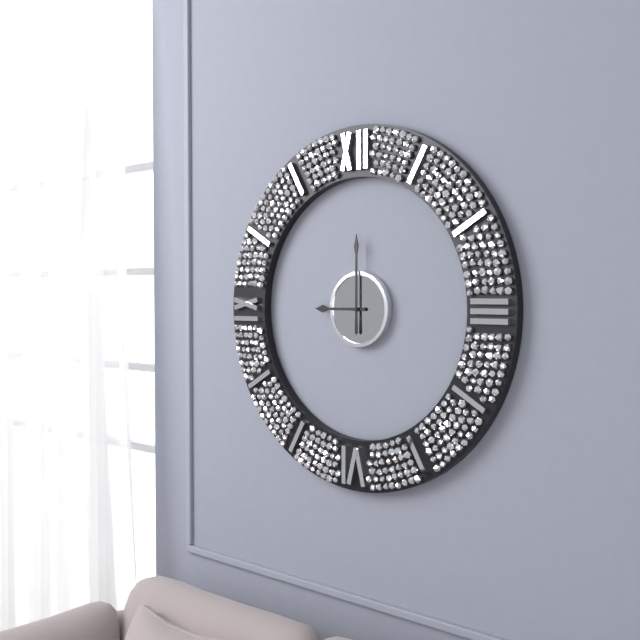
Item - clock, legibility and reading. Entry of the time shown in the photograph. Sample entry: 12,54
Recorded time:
9,00
